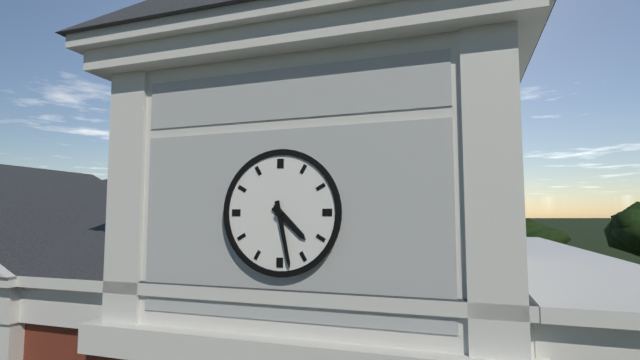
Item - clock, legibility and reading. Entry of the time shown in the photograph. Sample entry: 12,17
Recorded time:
4,28
